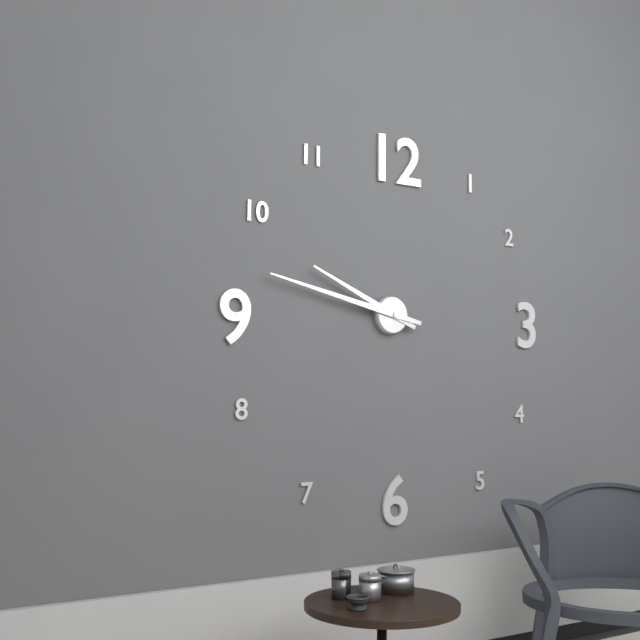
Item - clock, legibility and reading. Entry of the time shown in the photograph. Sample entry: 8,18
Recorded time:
9,47
